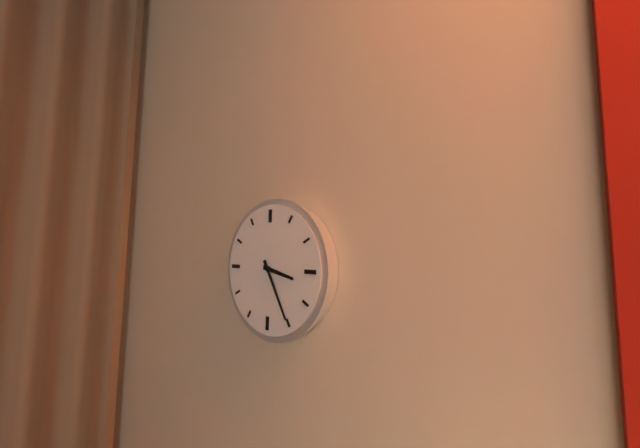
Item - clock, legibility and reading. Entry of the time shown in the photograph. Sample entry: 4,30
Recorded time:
3,25
